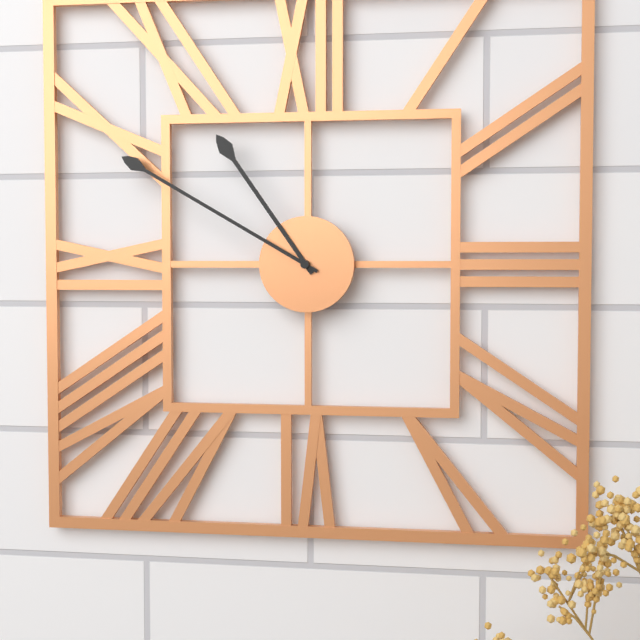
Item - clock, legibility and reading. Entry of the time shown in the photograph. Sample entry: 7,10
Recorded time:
10,50
